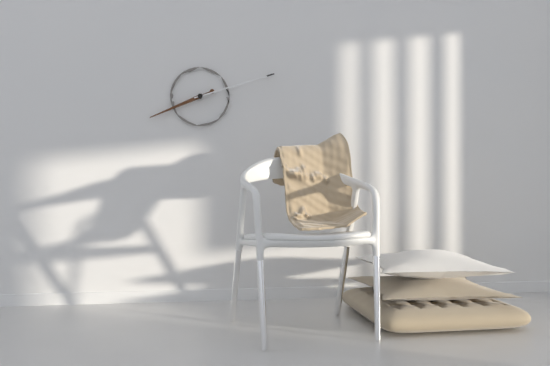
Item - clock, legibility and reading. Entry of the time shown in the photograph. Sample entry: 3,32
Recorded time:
8,12
